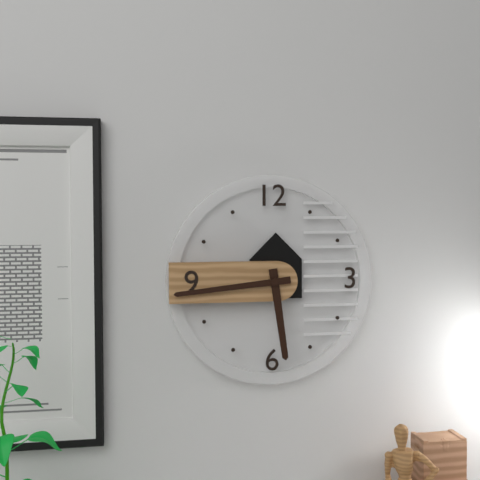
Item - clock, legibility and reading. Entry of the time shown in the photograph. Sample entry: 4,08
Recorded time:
5,44
